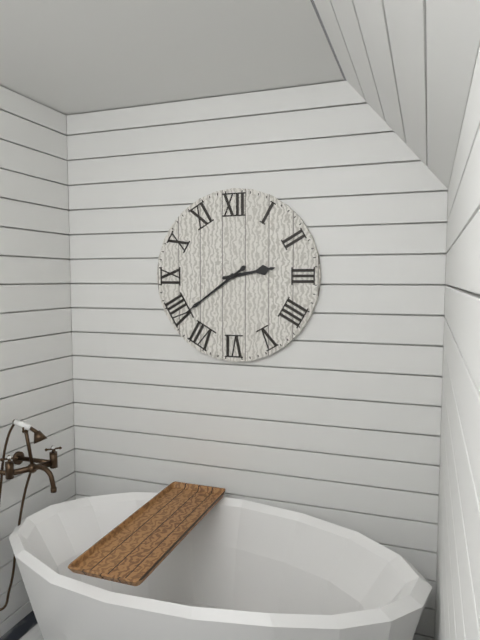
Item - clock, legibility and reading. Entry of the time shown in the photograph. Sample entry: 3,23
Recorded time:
2,39
